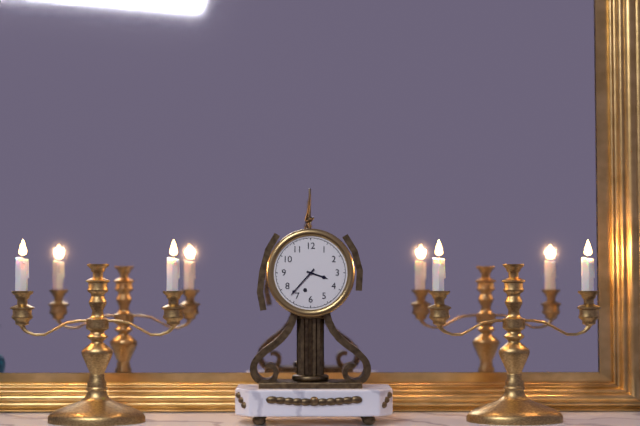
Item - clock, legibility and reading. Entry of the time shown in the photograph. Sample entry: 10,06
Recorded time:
3,37
